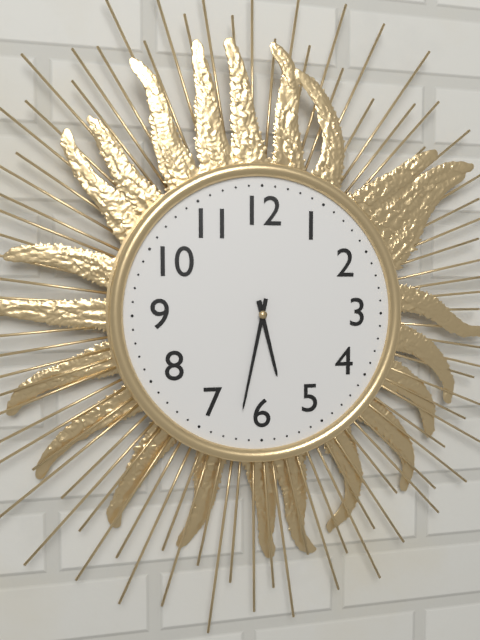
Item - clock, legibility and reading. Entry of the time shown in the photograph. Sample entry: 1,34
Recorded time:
5,32
